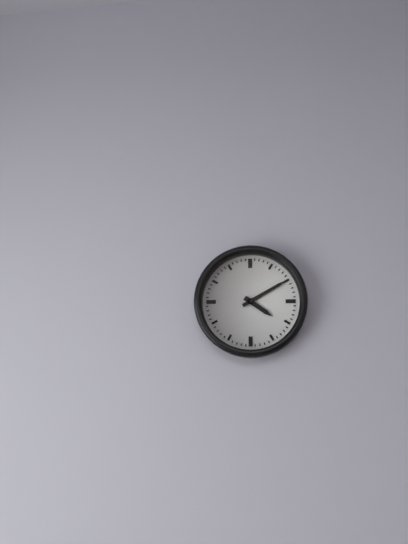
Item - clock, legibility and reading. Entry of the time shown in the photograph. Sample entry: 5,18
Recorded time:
4,10
